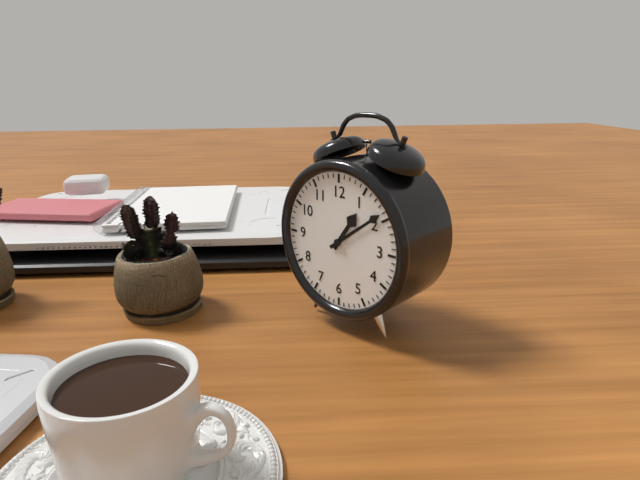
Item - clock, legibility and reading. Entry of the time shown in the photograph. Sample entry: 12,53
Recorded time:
1,09
